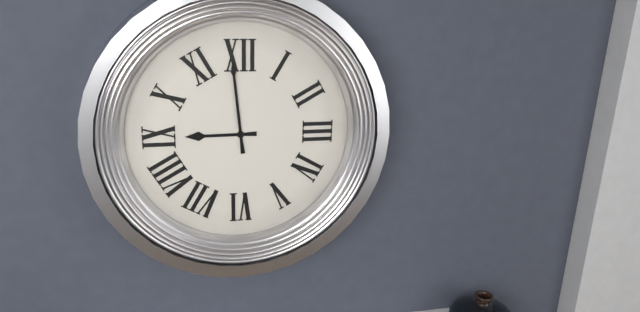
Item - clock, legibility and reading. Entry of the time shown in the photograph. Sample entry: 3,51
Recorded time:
8,59
